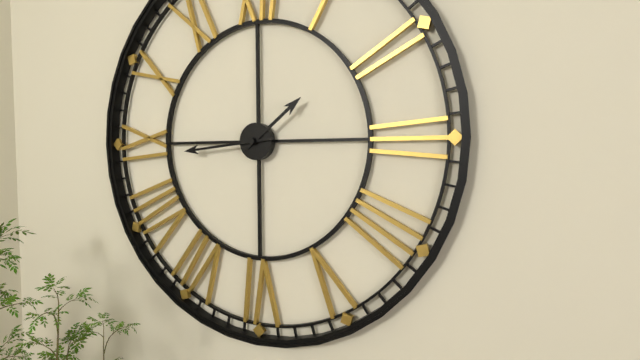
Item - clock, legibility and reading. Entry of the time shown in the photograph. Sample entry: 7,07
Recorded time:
1,44
